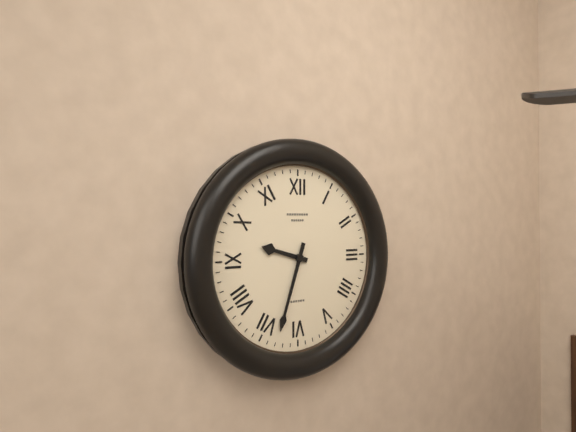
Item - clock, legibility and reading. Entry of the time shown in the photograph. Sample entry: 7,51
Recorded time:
9,33
